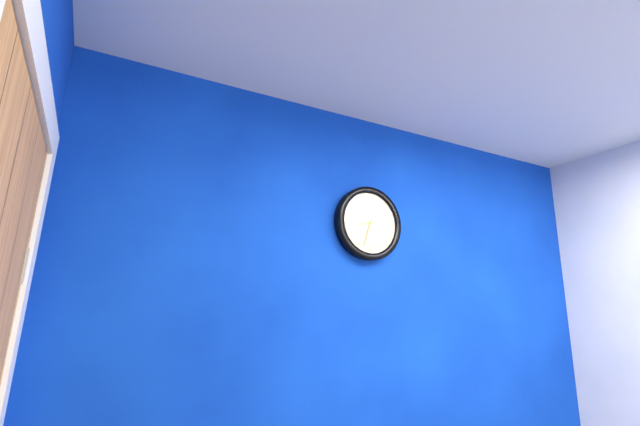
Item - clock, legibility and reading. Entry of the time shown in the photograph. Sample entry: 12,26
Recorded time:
8,33
